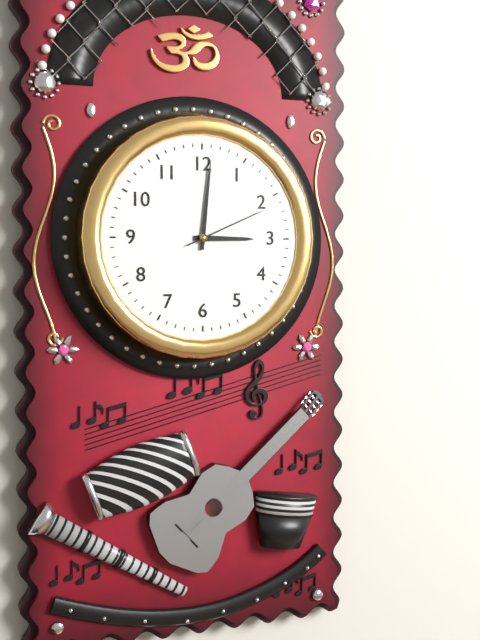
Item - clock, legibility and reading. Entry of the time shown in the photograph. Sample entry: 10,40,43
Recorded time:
3,01,11
